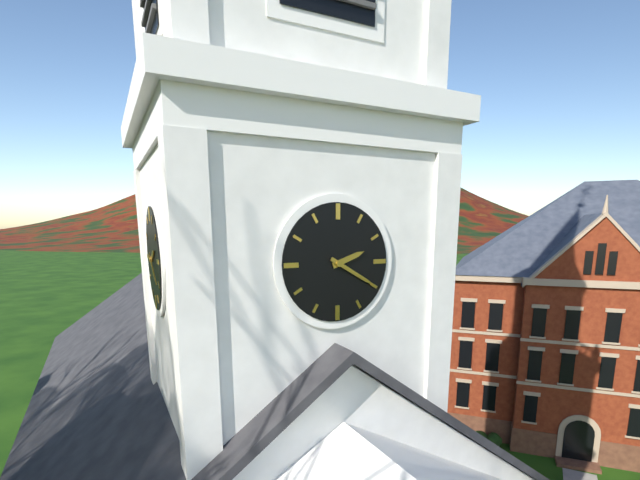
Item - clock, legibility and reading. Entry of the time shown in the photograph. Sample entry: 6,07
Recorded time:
2,20
